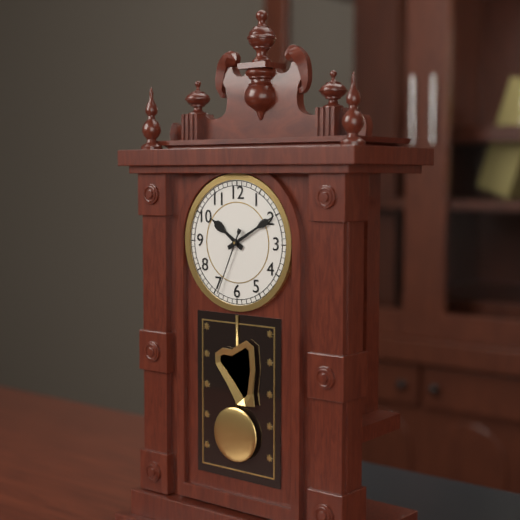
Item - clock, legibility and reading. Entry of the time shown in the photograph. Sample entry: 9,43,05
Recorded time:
10,10,34
